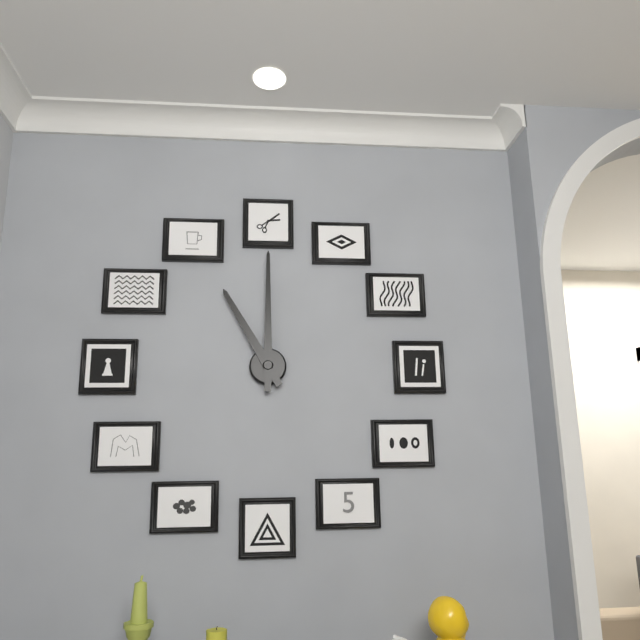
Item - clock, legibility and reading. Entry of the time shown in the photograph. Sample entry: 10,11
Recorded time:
11,00
